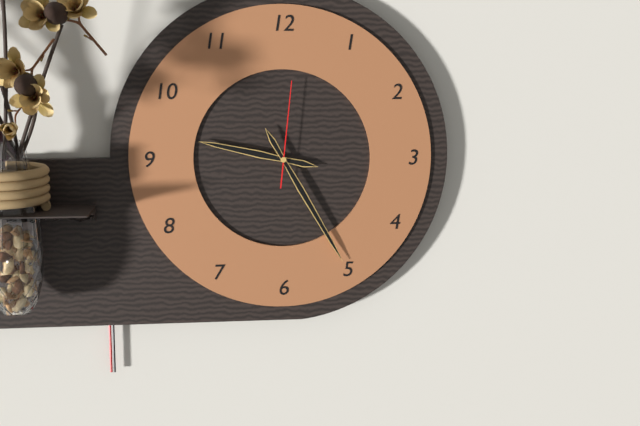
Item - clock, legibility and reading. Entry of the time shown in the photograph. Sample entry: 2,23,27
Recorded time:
9,25,01
